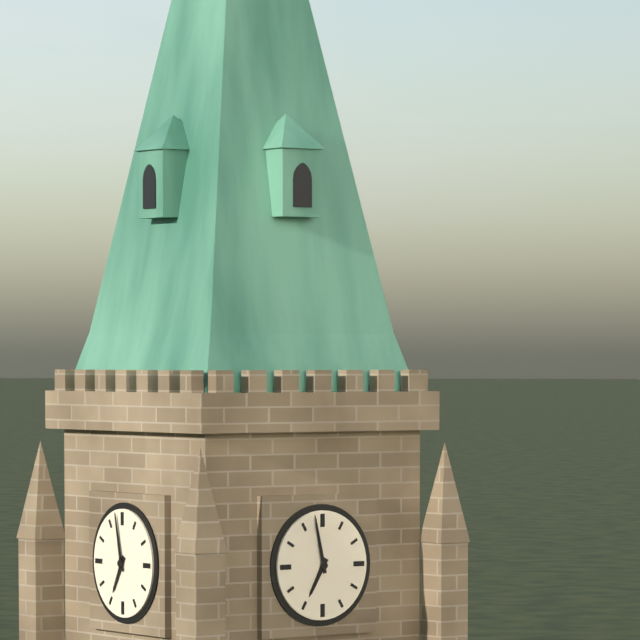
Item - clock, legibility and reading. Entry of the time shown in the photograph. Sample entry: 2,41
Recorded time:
6,58
